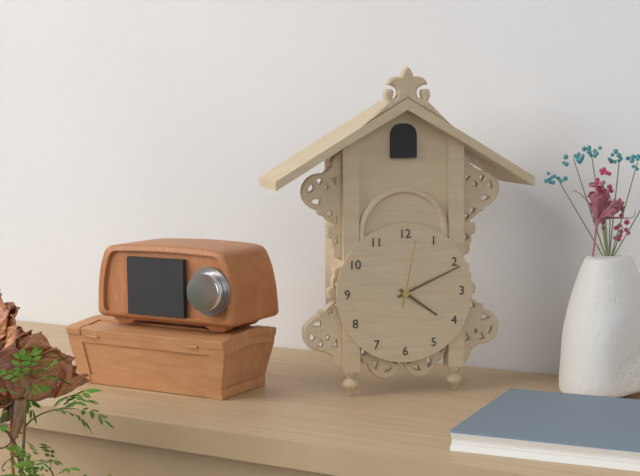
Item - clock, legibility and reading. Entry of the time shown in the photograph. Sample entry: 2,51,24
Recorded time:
4,11,02
